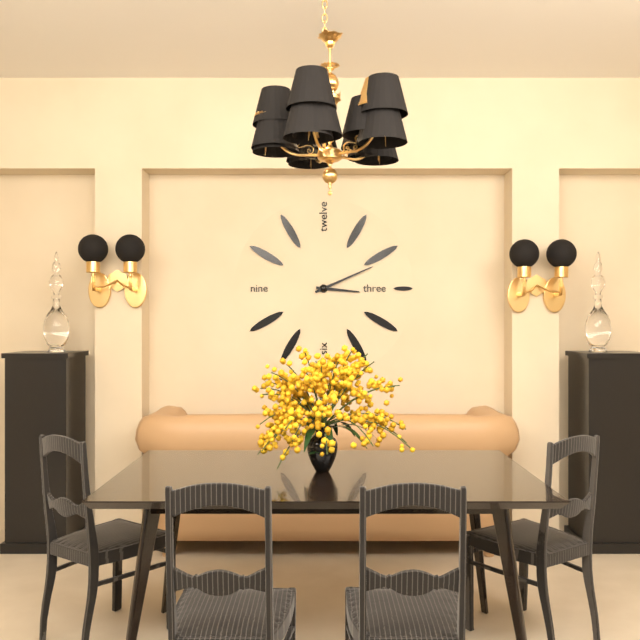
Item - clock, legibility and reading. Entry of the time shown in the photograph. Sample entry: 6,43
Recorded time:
3,11
